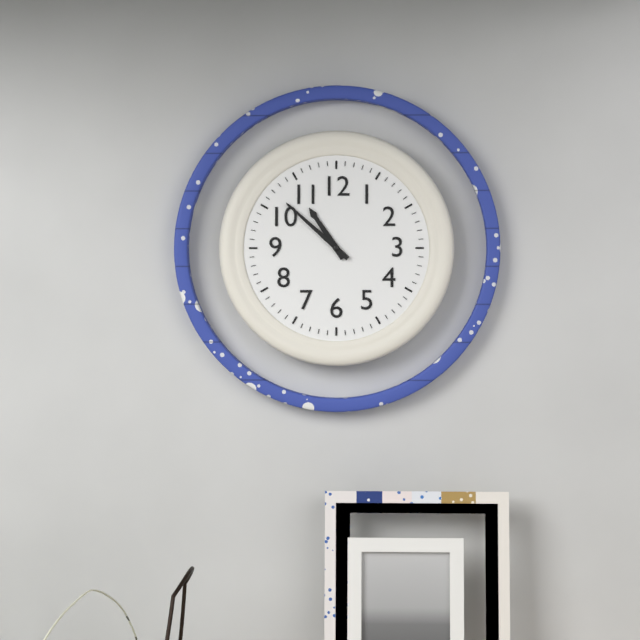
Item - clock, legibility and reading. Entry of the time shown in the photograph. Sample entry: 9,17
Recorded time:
10,52
